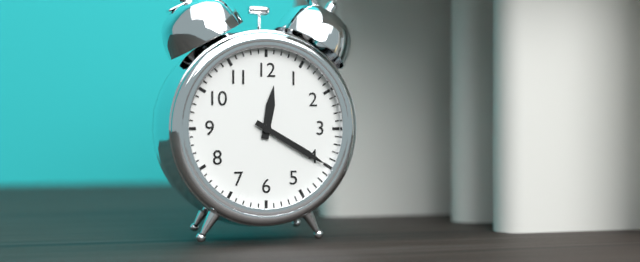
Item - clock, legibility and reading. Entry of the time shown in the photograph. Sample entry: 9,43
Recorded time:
12,20
